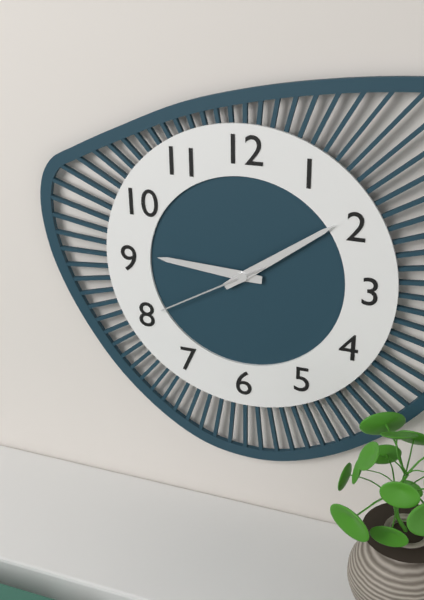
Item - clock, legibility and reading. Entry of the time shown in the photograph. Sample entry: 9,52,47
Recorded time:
9,09,40
